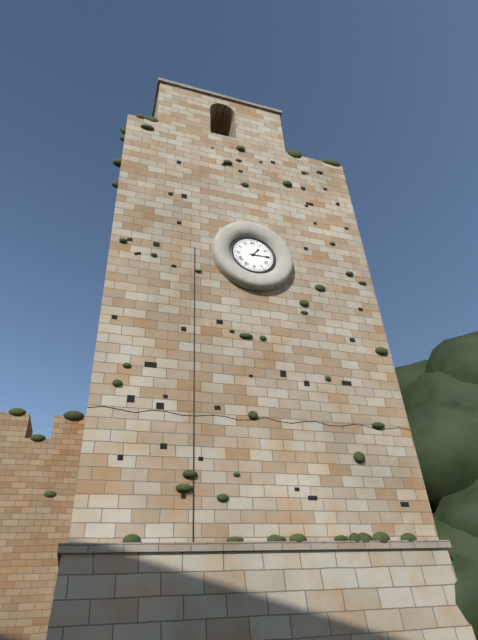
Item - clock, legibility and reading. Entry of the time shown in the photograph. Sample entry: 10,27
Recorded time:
1,15
